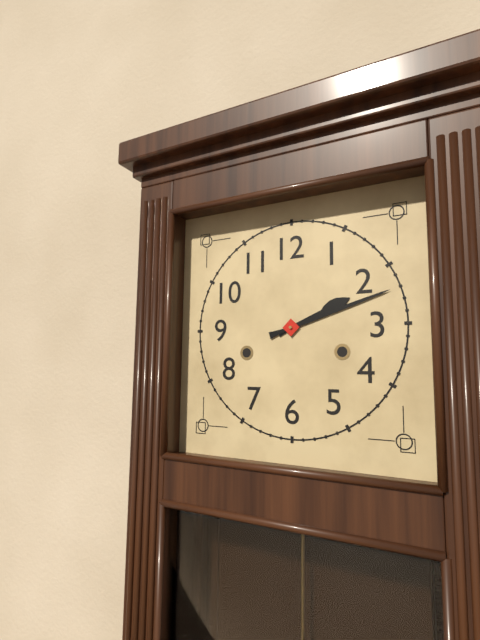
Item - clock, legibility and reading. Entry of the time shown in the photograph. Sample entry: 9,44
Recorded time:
2,12
